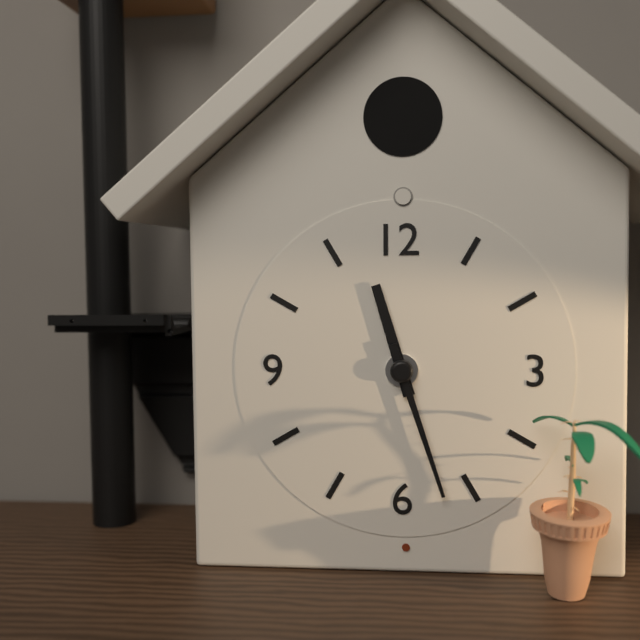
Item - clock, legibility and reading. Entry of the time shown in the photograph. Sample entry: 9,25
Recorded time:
11,27
